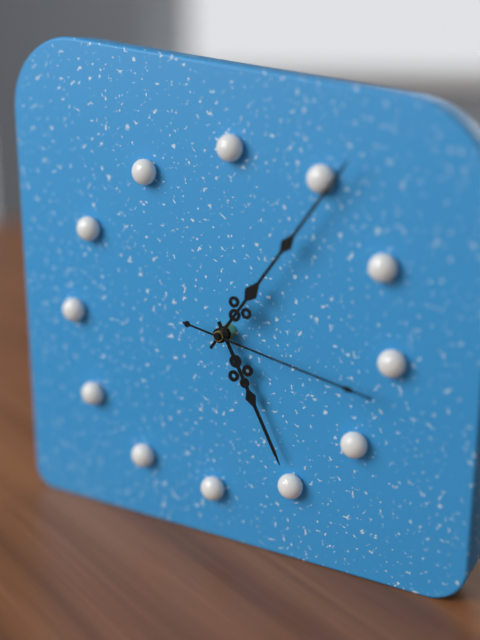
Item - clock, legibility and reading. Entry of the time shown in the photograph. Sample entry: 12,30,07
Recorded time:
5,06,17
